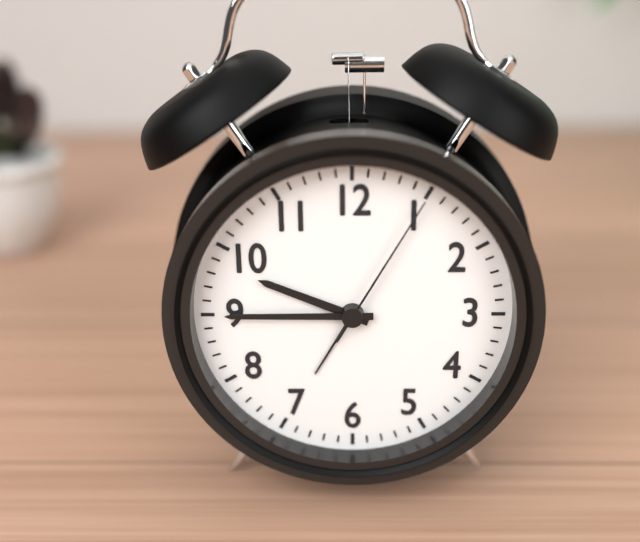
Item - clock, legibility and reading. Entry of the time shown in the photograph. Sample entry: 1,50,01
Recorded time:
9,45,05
